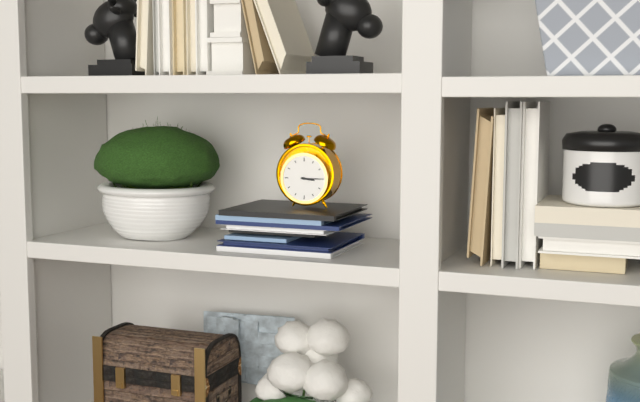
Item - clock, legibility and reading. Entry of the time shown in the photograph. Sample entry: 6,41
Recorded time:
3,15
